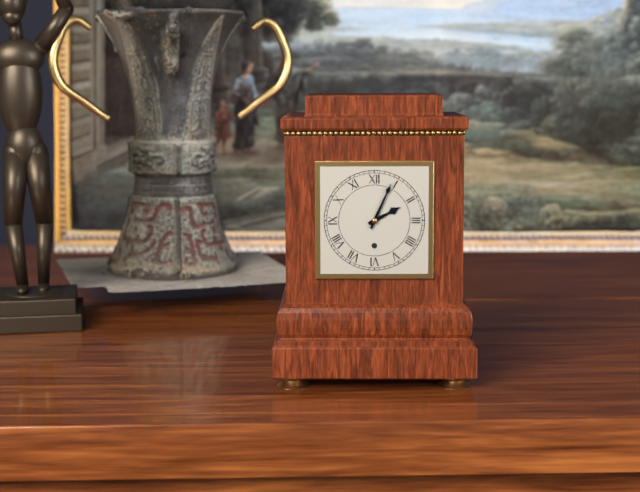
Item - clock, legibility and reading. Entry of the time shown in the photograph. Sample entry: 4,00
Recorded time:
2,04
